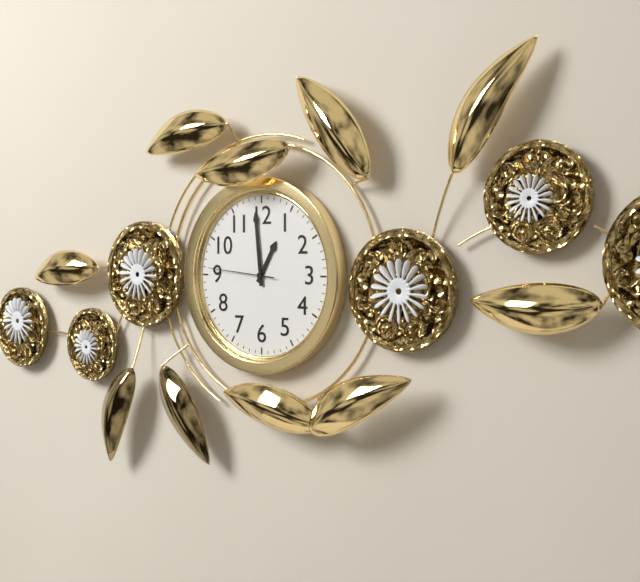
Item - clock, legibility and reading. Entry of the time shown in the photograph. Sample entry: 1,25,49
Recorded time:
12,59,46
